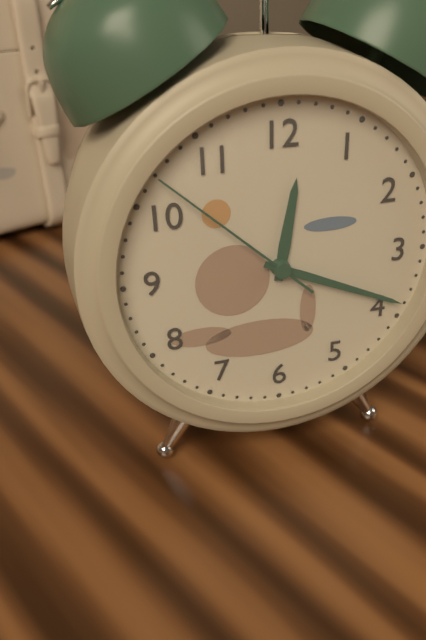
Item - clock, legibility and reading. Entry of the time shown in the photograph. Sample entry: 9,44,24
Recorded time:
12,19,52
